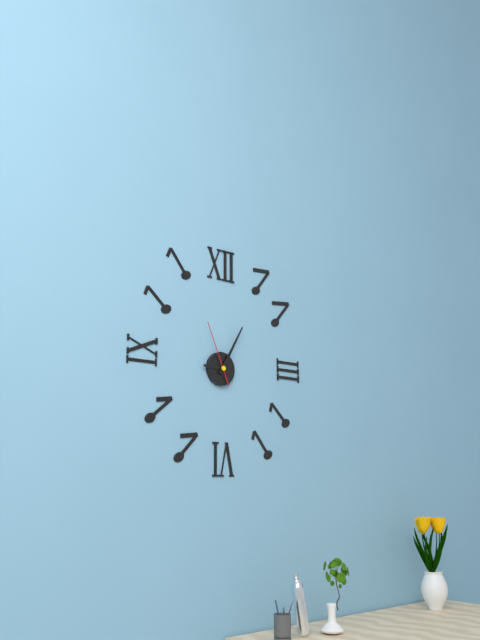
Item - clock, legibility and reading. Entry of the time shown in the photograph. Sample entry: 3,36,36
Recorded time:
9,05,56
